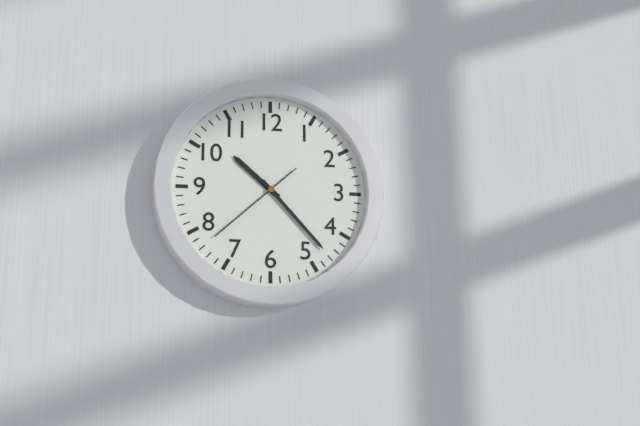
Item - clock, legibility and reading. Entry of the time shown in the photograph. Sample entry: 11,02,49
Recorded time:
10,23,38
